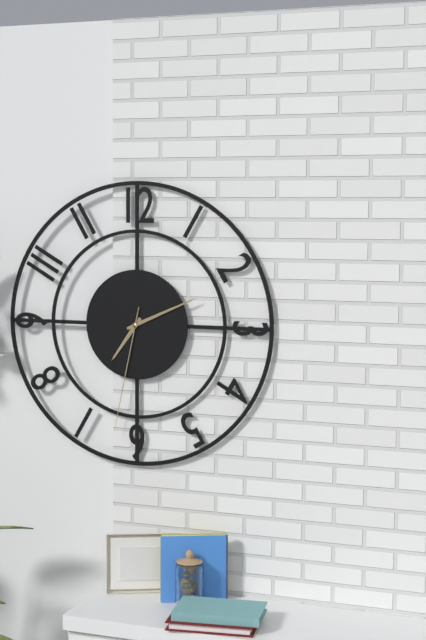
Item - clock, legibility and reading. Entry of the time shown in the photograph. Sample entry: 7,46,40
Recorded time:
7,11,32
